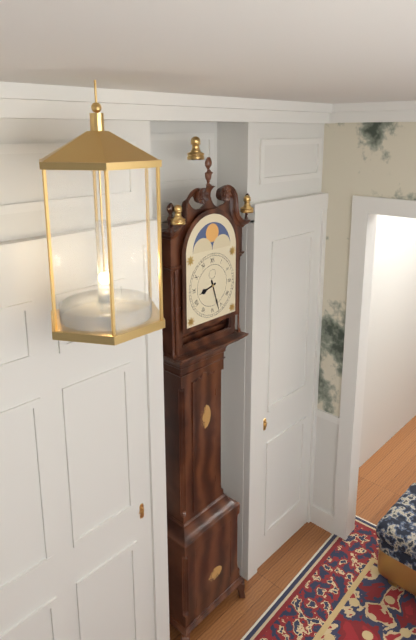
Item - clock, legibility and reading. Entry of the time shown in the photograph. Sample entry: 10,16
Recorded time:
8,27
